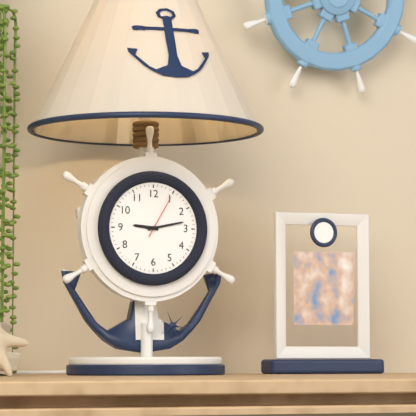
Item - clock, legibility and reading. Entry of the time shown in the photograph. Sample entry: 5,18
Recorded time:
9,13
